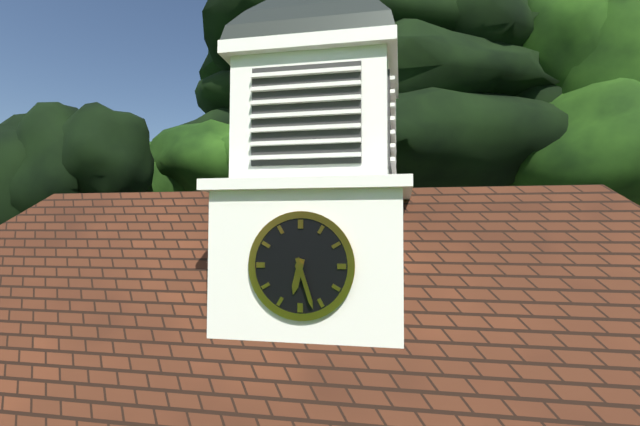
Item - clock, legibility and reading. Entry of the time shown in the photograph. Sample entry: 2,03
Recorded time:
6,27
